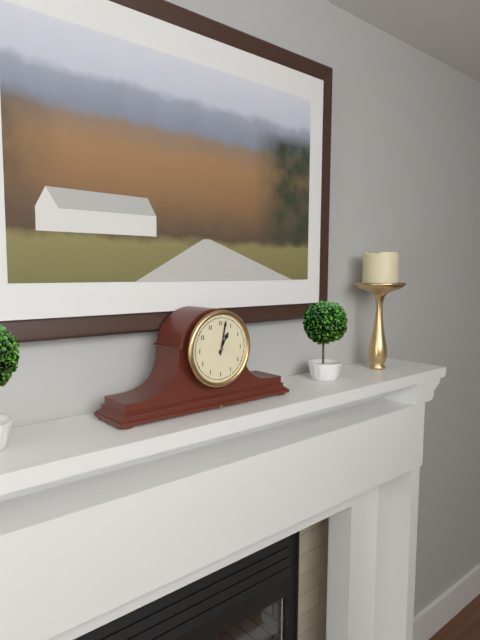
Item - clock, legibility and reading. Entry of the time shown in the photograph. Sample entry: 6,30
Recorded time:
1,02
